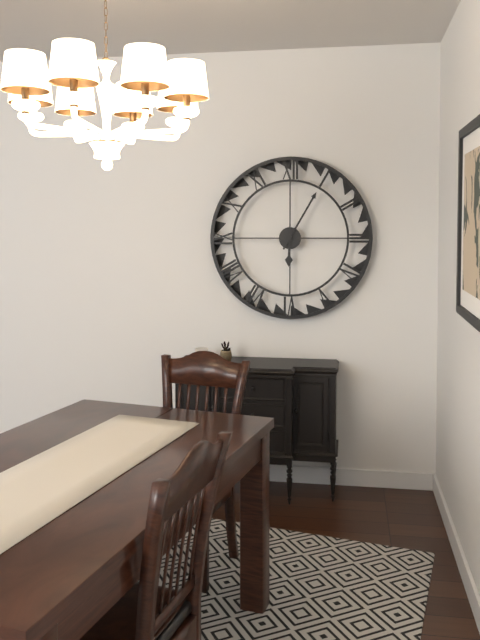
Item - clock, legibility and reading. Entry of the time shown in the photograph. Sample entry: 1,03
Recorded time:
6,05
